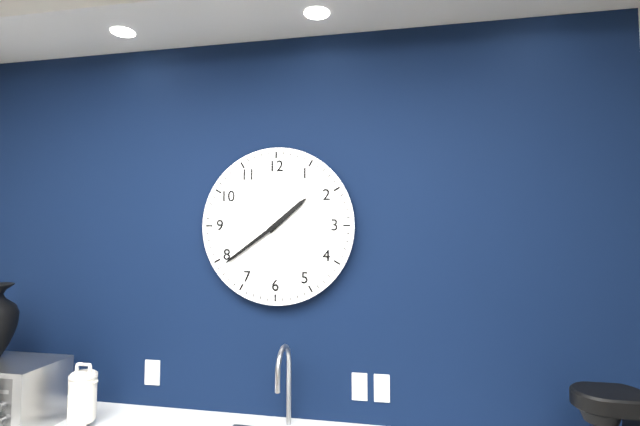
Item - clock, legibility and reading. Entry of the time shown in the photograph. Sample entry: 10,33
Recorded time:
1,39
